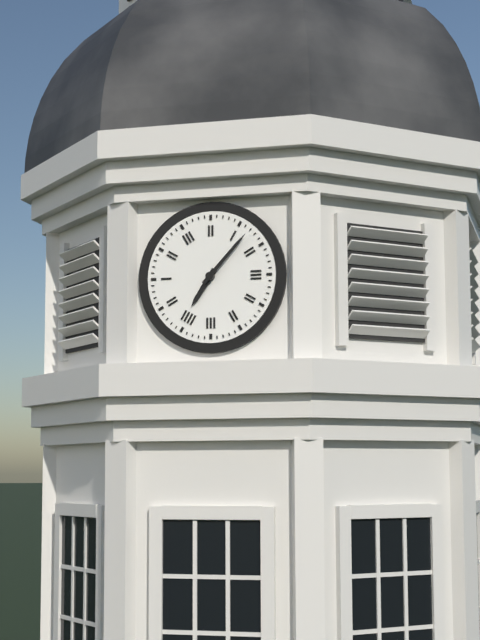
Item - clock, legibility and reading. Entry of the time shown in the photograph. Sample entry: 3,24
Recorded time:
7,07
